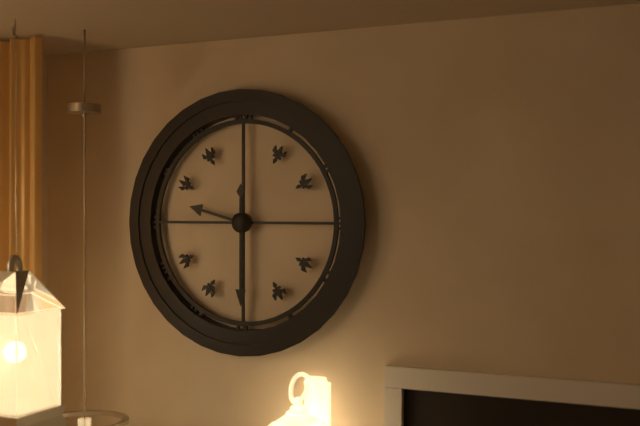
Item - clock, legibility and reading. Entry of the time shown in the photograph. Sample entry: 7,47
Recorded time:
9,30
